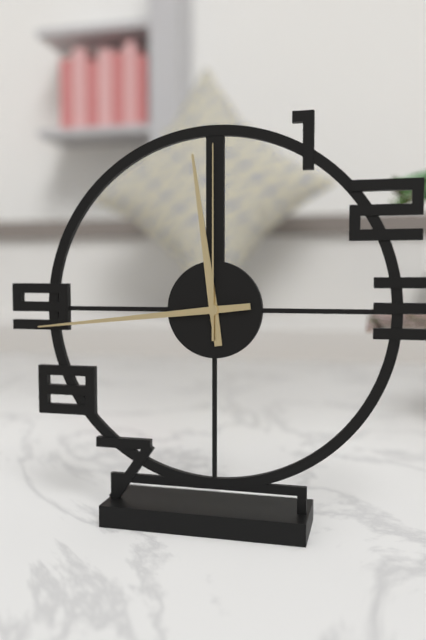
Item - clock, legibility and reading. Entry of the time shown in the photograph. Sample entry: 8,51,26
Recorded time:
11,44,00
